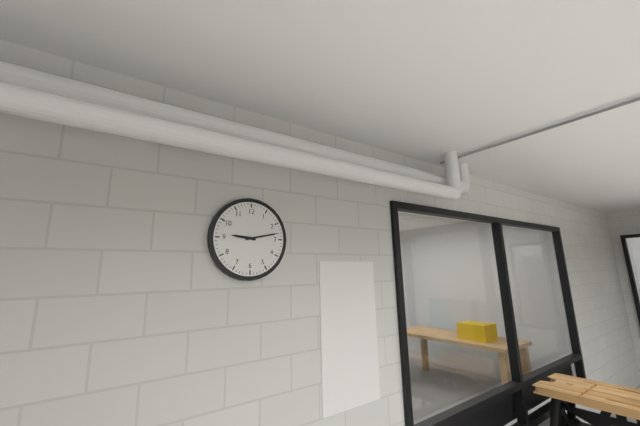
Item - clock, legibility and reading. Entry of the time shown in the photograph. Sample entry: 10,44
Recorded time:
9,13
